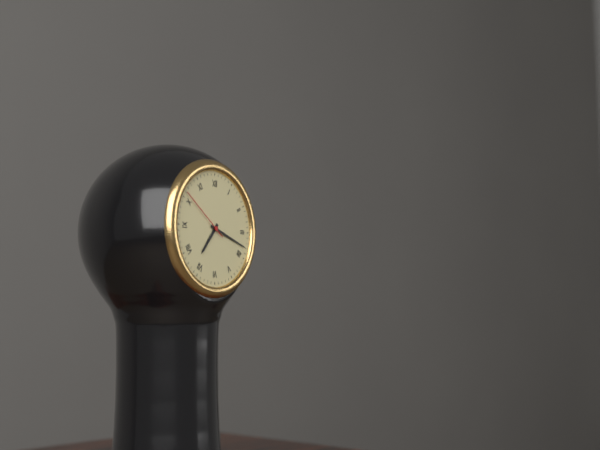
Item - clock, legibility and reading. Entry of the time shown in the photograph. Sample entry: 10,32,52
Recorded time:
7,18,51
